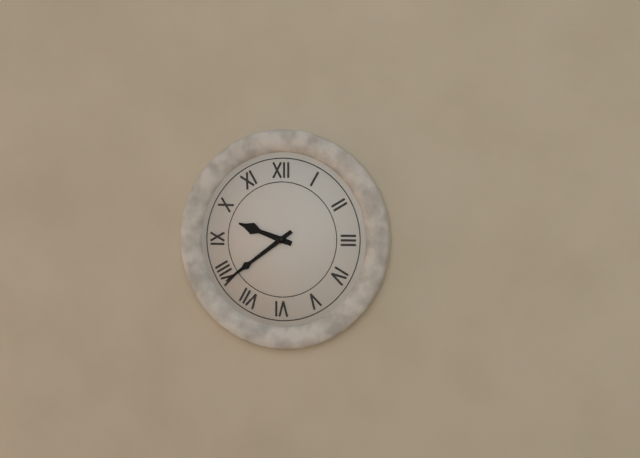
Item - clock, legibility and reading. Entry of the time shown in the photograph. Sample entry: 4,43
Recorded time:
9,39
